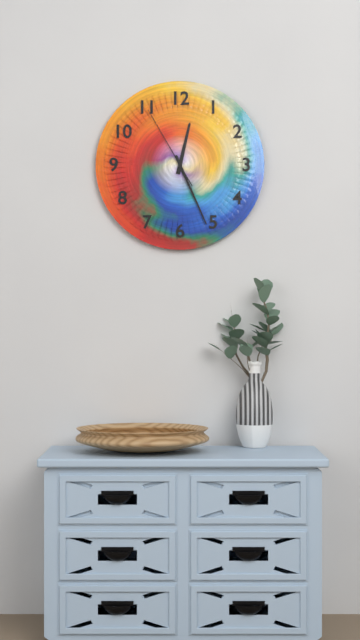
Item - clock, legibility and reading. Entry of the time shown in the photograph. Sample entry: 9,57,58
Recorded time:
12,26,55
